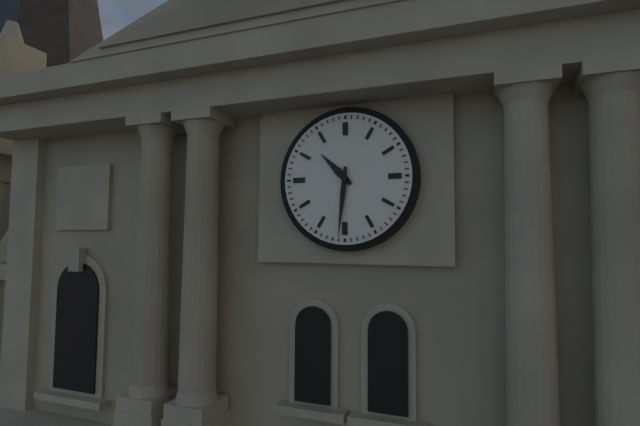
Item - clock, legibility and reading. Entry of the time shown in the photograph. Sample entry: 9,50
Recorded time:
10,31
